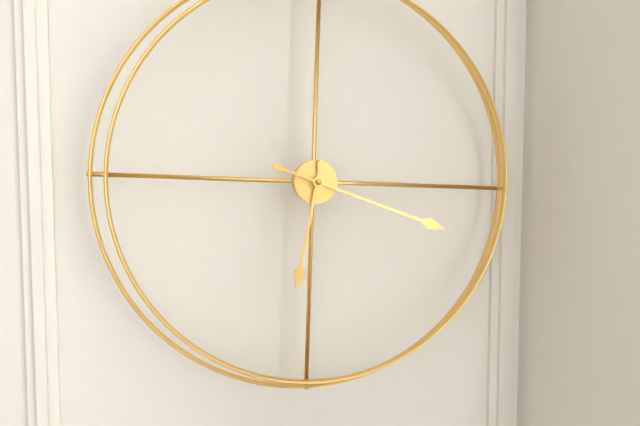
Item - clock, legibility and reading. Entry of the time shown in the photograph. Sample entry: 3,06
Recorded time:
6,18
